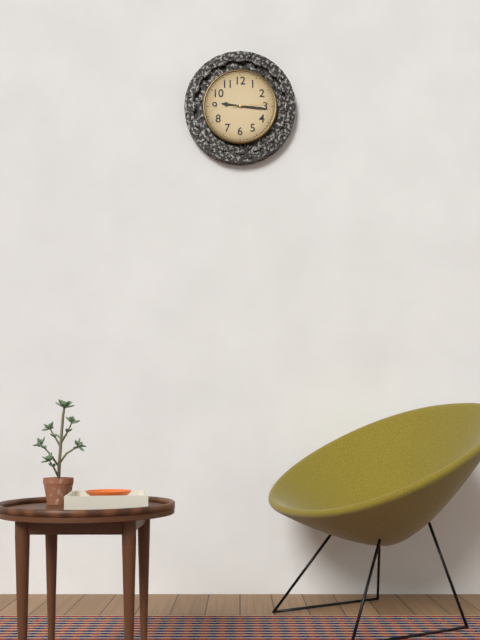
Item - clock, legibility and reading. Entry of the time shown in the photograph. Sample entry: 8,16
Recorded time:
9,16
